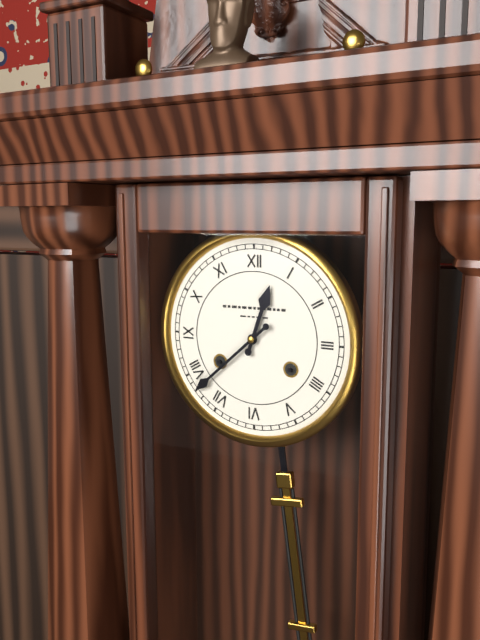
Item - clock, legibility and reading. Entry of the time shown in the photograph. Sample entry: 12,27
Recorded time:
12,38
